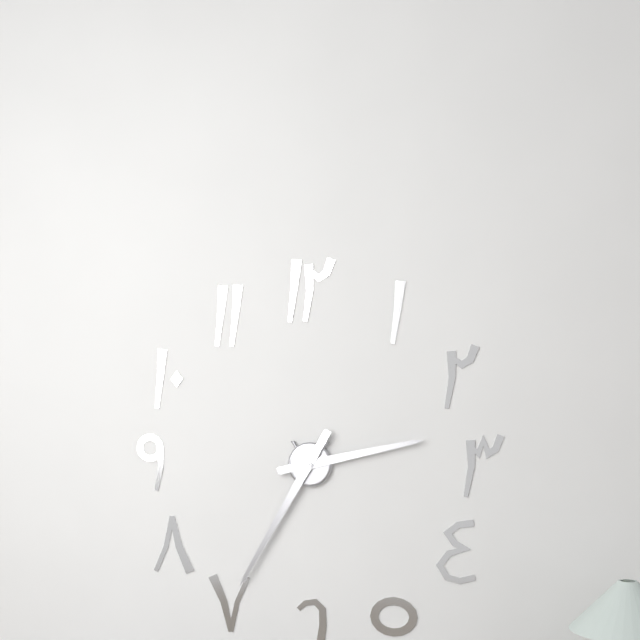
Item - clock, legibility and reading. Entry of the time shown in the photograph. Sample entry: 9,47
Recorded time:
2,35
